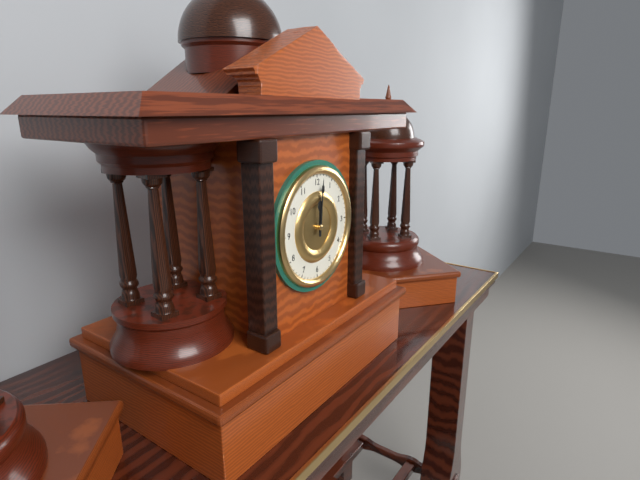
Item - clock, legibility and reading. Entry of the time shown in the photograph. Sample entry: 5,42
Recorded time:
12,01
